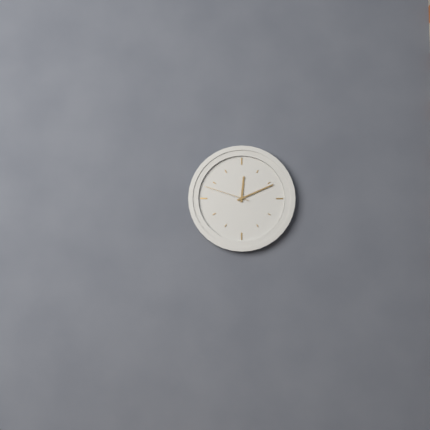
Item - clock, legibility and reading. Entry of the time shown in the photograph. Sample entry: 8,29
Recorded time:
12,11
